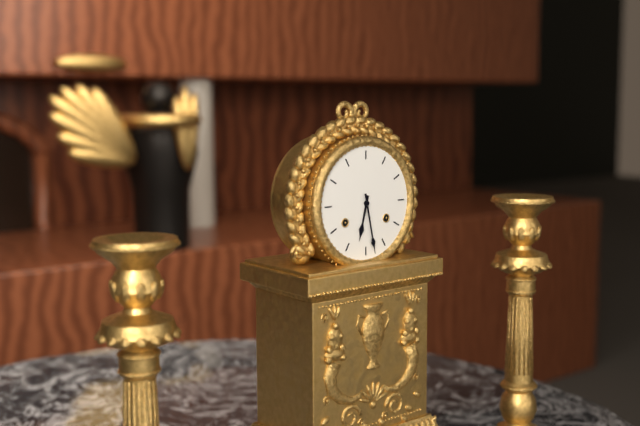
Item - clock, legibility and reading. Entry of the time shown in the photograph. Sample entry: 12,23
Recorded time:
6,28
